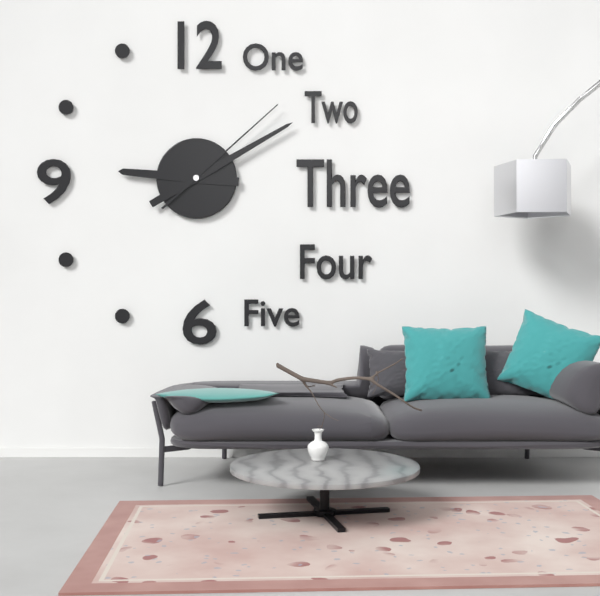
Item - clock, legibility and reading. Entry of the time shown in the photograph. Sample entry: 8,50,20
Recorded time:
9,10,08
